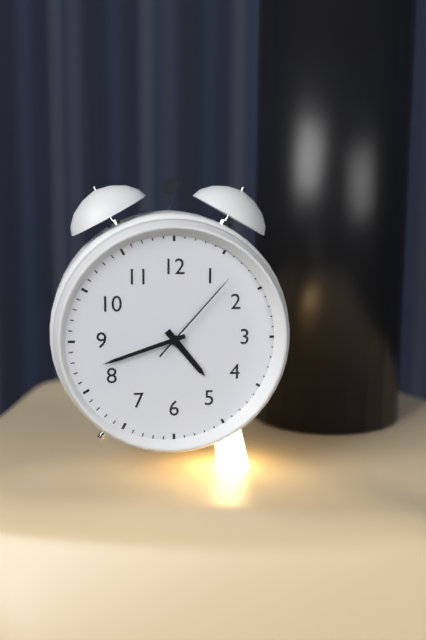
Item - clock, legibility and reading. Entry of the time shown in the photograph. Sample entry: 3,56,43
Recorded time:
4,42,07
